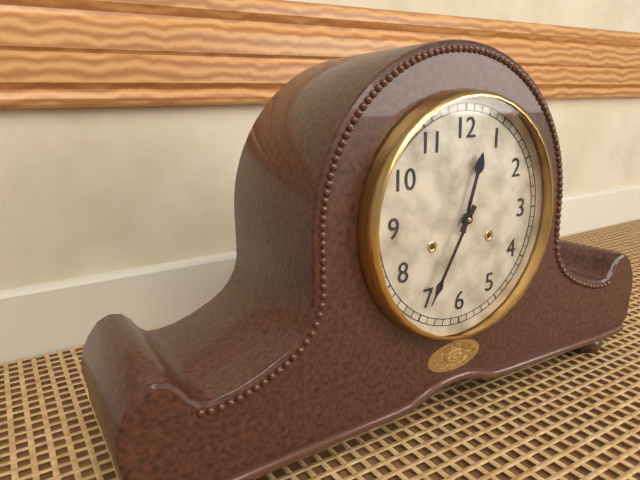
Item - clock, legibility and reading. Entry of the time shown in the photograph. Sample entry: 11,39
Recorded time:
12,35
